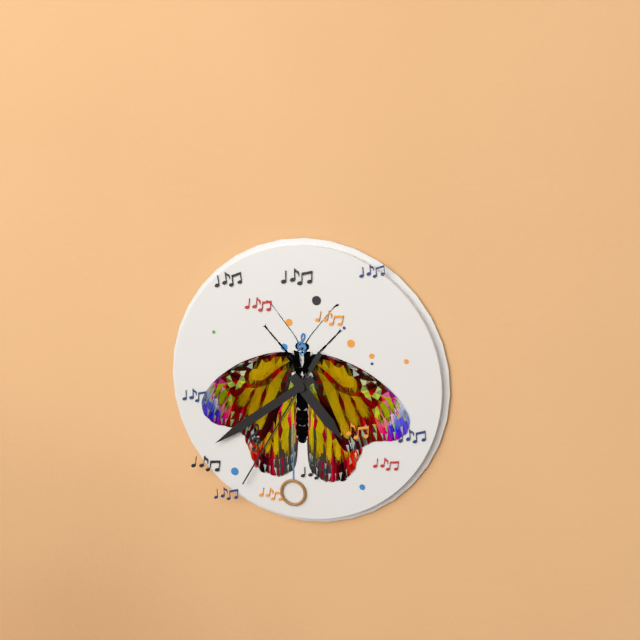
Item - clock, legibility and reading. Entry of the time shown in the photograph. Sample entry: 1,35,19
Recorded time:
4,39,35
